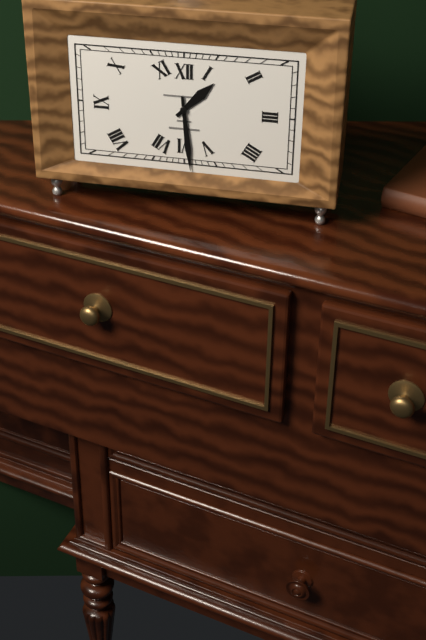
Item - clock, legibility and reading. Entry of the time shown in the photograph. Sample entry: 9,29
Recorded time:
1,29
